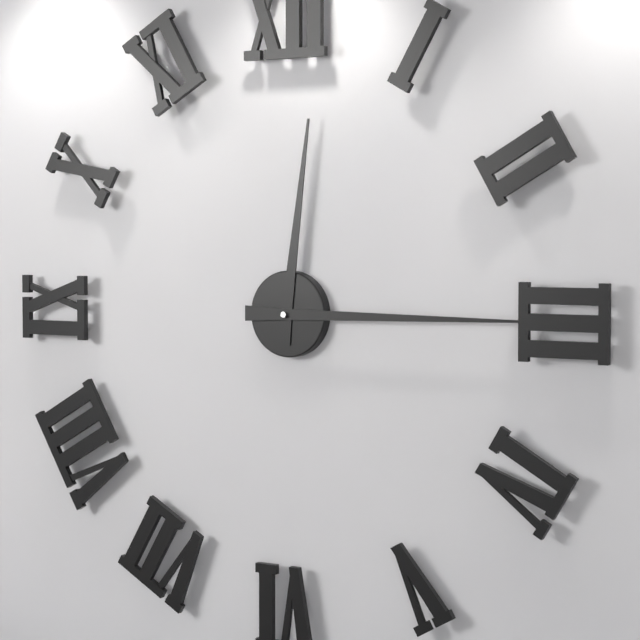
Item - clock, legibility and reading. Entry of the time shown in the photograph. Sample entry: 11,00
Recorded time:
12,15
